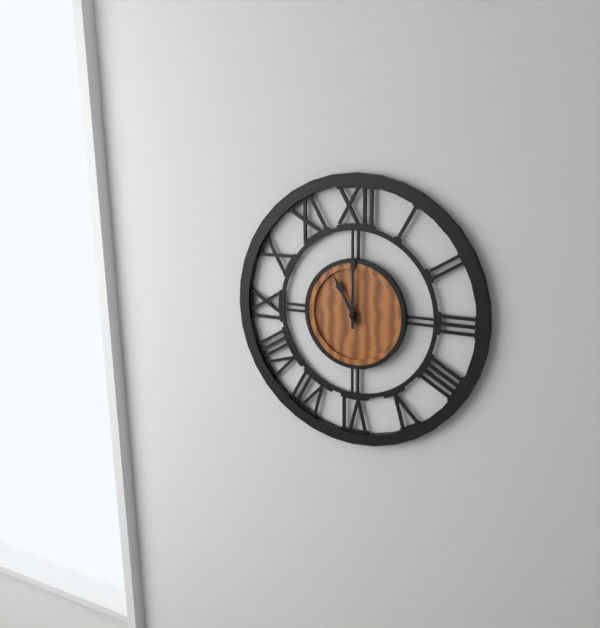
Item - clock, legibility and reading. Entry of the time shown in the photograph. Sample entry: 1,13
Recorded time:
11,00
